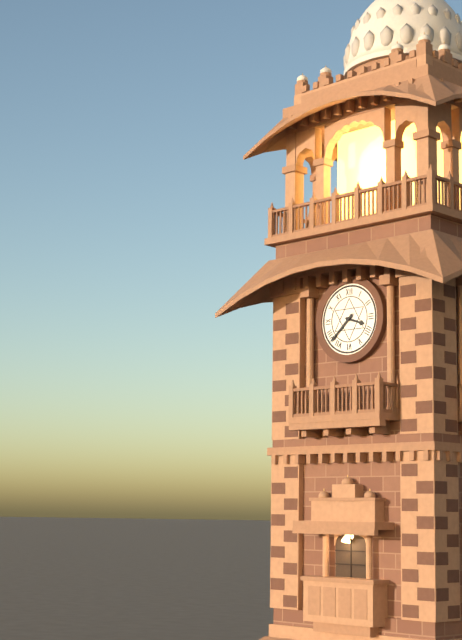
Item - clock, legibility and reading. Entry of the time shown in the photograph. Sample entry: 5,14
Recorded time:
3,38
